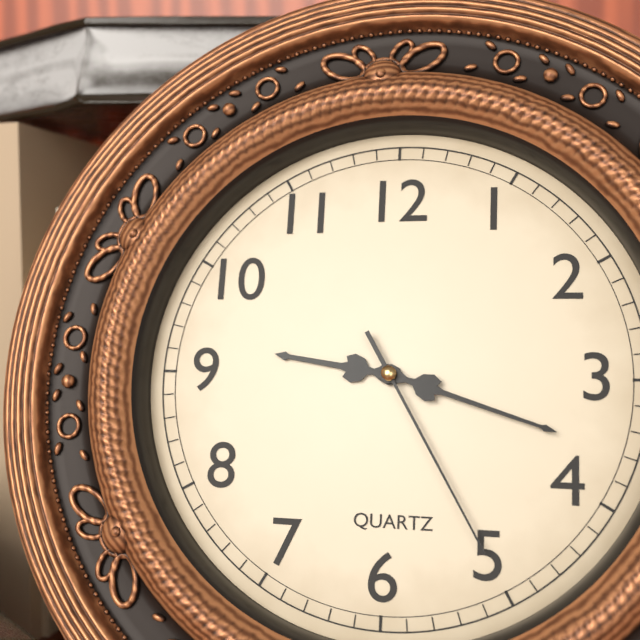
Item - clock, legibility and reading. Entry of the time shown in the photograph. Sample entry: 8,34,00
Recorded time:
9,18,25
